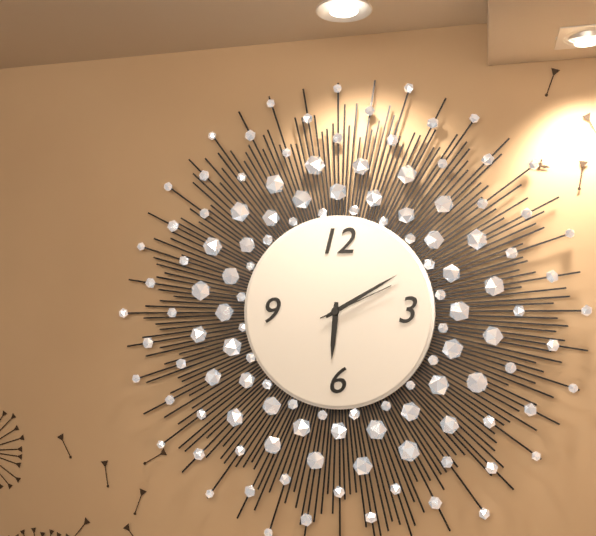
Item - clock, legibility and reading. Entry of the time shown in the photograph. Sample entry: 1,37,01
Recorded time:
6,10,11
